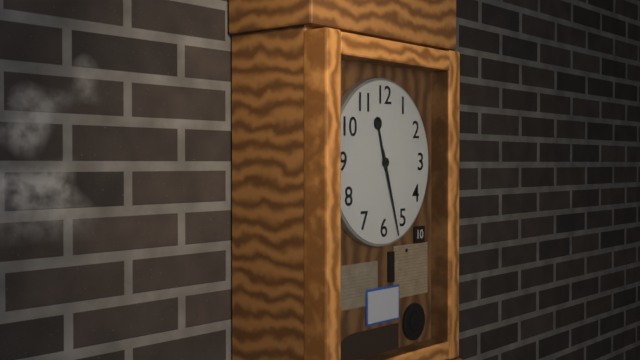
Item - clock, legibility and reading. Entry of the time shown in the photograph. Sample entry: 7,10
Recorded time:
11,27
